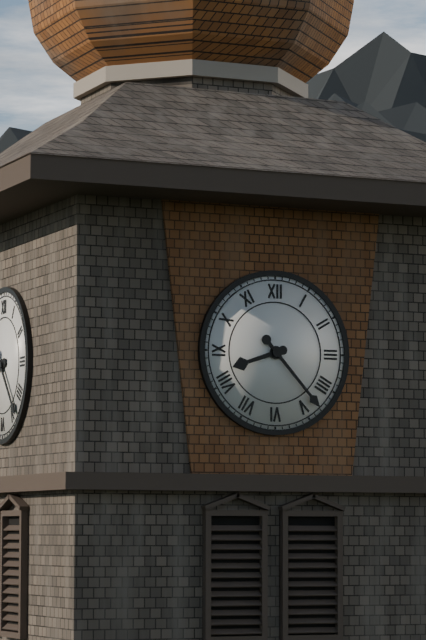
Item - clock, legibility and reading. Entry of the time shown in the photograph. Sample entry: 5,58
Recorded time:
8,23
